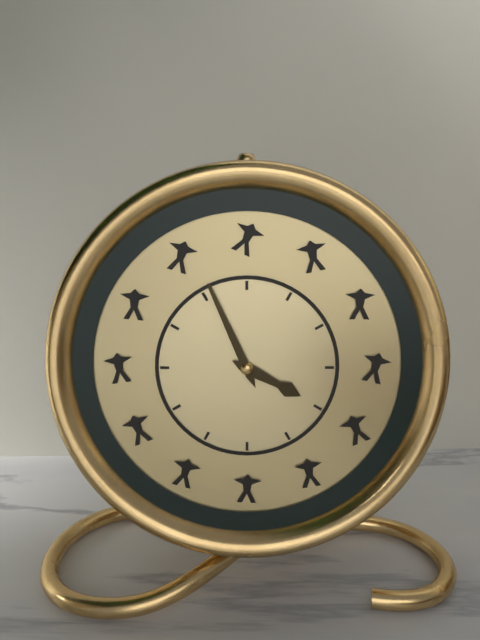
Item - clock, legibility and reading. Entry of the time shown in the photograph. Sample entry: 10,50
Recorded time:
3,56
